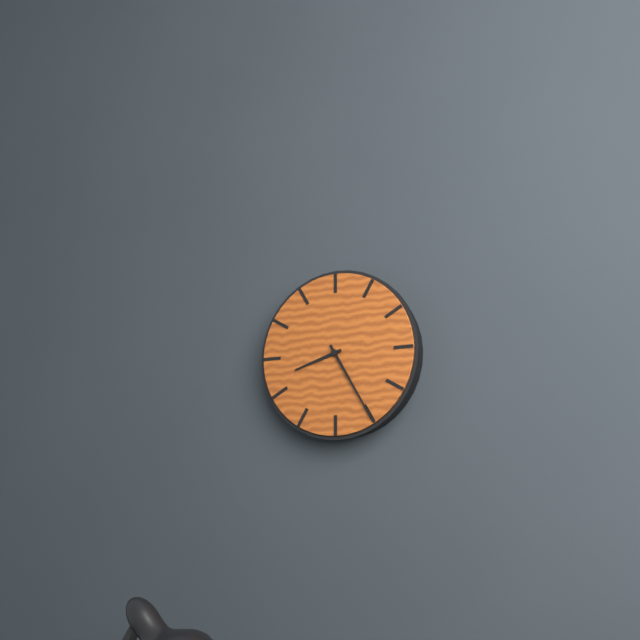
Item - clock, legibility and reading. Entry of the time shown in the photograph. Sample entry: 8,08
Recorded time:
8,25
